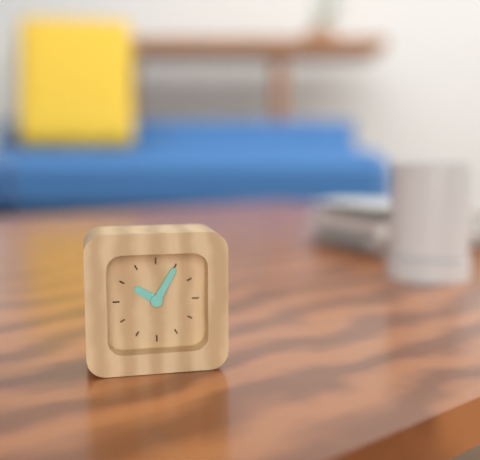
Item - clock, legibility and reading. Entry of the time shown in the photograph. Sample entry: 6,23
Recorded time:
10,05
